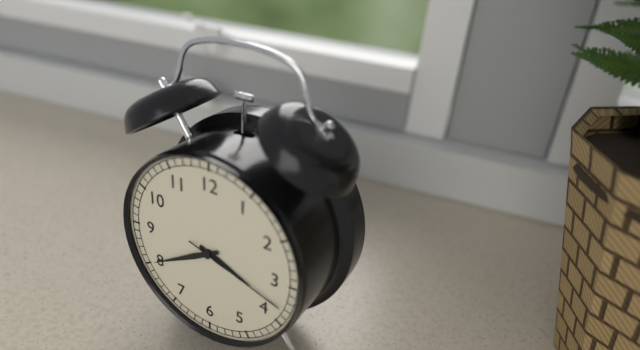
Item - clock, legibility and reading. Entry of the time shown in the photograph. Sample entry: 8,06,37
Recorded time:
3,40,18
